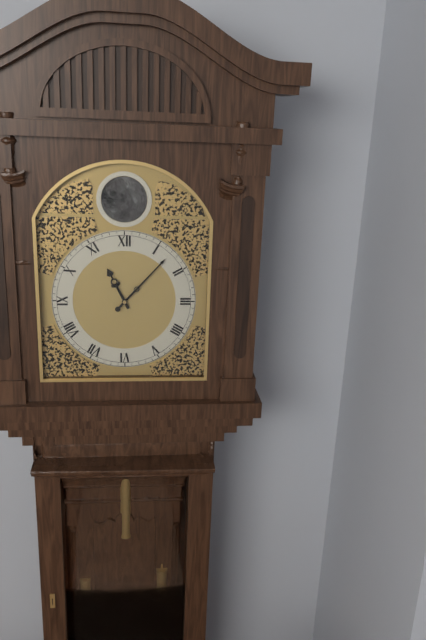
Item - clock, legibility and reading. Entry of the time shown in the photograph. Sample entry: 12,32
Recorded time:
11,07
